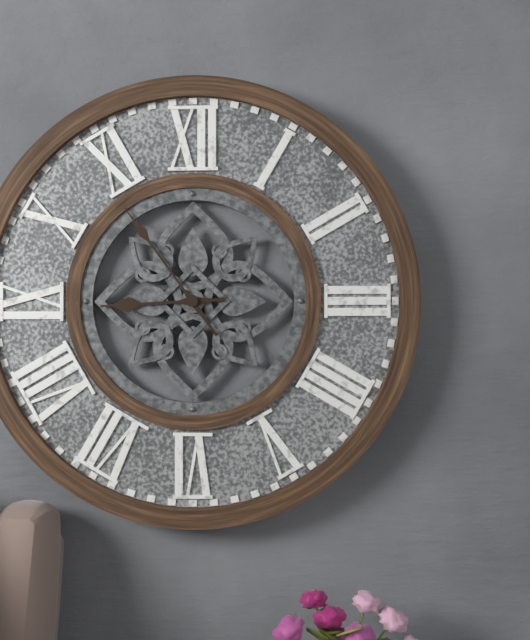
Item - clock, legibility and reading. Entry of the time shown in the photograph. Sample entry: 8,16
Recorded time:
8,54
